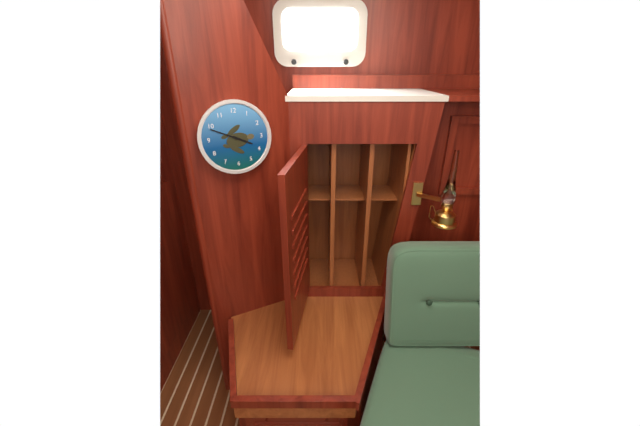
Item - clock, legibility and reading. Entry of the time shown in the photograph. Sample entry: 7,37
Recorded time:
3,49
